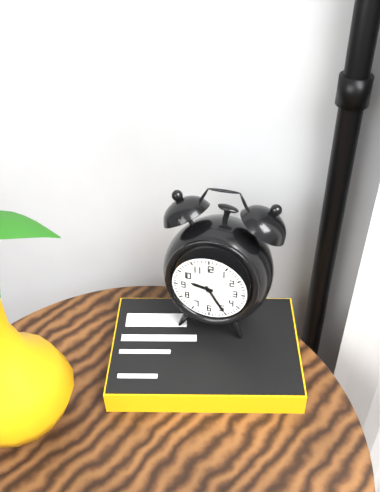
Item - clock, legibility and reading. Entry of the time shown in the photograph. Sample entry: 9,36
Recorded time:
9,25
